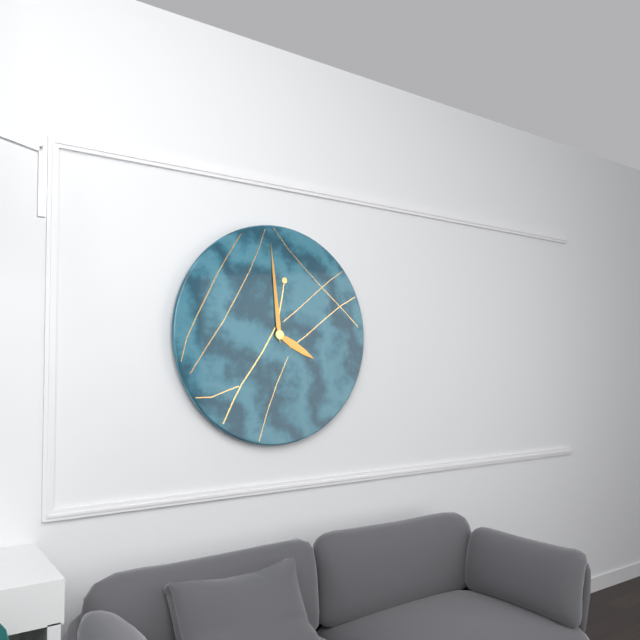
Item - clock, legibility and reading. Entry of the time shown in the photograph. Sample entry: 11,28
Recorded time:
3,59
